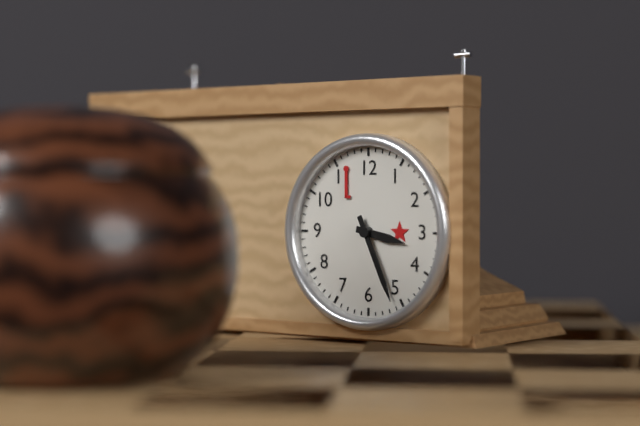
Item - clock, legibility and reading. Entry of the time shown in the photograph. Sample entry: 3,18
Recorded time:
3,26
